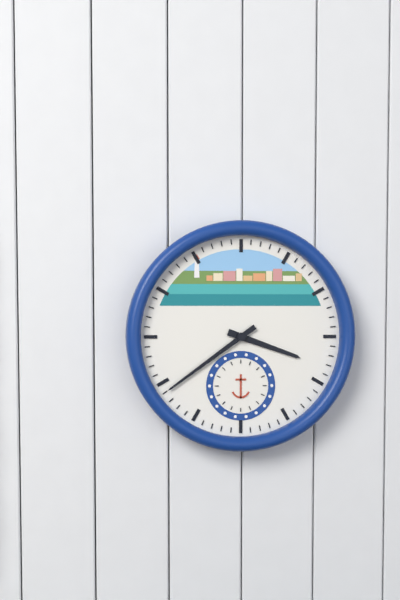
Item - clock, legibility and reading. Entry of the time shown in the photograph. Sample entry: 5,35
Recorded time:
3,39
